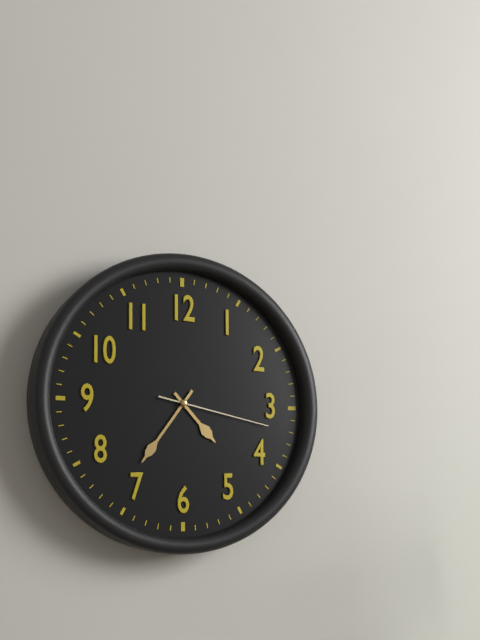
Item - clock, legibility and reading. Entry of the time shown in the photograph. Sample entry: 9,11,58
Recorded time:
4,36,17
